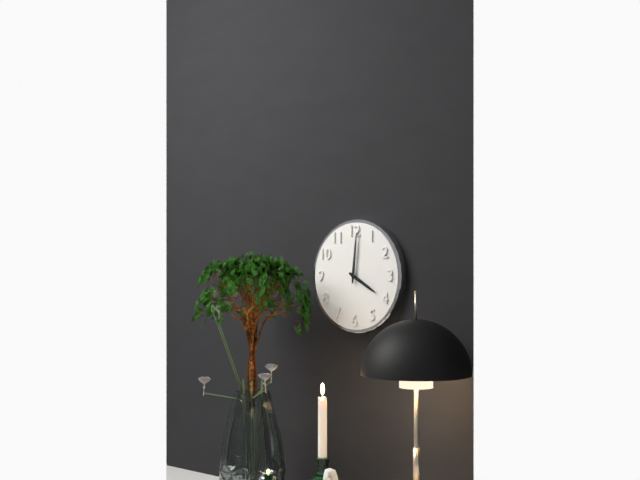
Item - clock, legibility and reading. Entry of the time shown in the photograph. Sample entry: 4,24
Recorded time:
4,01
